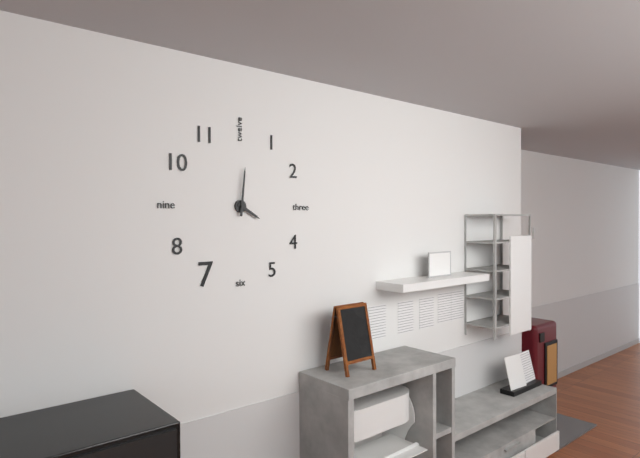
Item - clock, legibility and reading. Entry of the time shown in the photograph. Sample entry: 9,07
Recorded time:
4,01
